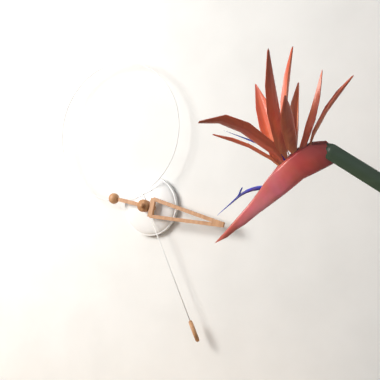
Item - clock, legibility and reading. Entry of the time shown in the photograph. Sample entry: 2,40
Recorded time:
3,26
